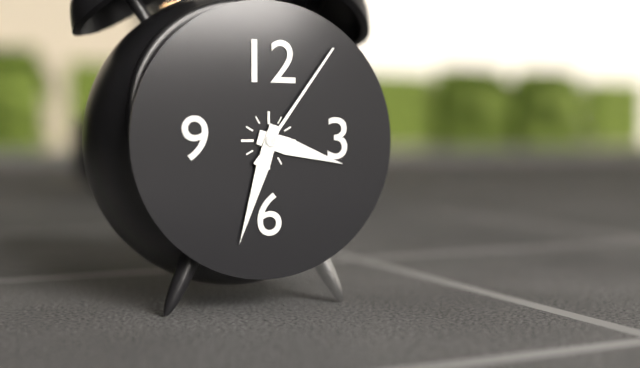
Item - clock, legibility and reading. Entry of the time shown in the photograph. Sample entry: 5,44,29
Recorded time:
3,33,06
